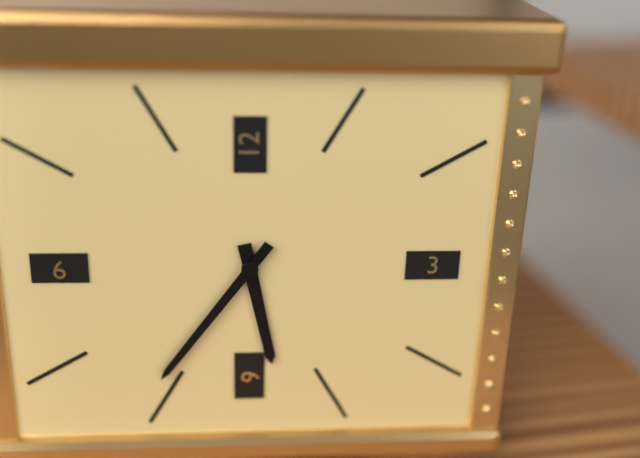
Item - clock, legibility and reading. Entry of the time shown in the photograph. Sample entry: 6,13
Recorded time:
5,36
